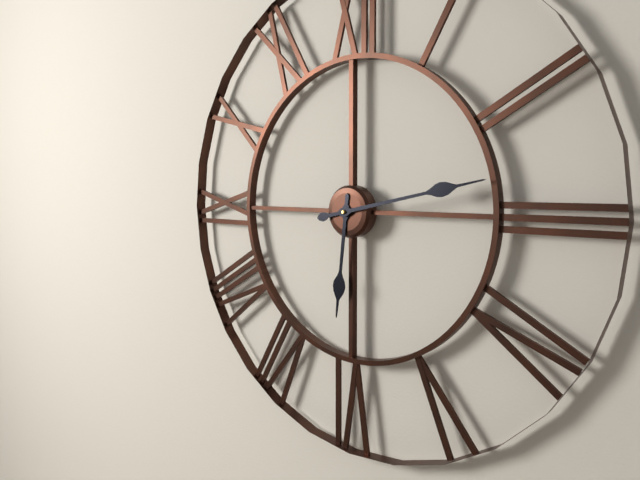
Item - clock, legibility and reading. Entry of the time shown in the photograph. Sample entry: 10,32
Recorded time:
6,13
